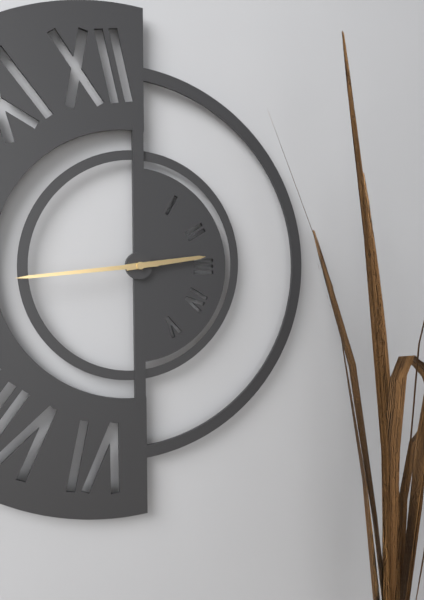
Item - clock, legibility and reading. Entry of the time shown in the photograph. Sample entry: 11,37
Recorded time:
2,44
